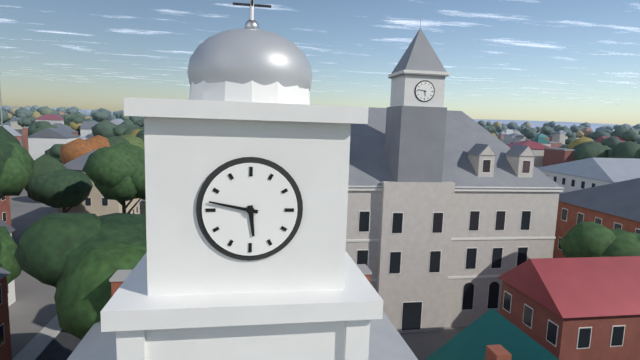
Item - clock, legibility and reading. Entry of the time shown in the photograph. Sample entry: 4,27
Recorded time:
5,47
